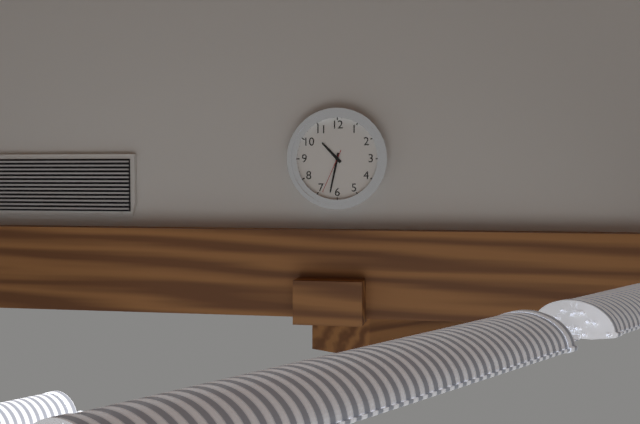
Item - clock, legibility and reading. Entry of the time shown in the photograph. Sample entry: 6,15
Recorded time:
10,32
